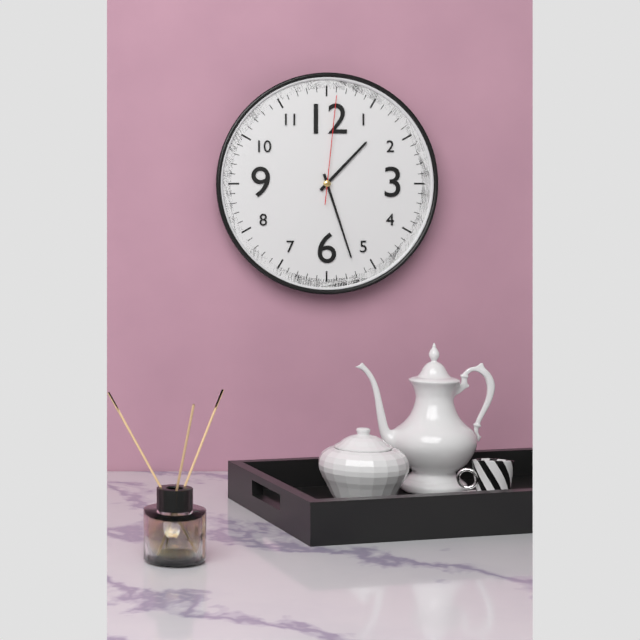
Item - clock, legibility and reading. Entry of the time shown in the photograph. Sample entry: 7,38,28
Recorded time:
1,27,01
